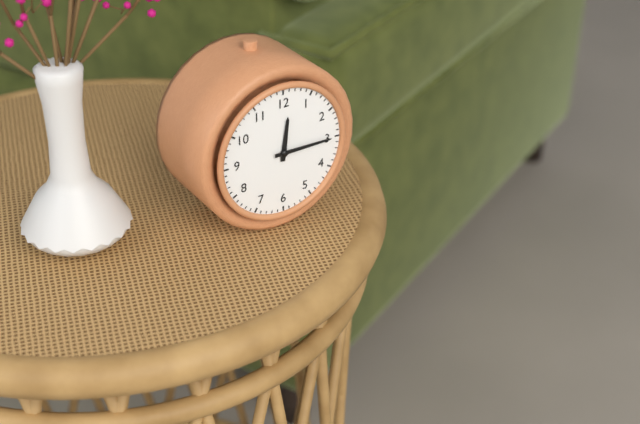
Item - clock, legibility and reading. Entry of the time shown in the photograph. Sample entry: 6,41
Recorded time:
12,15
